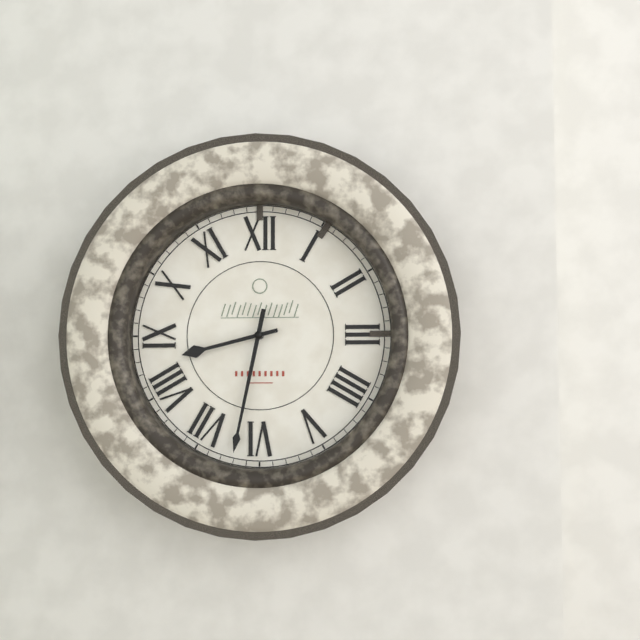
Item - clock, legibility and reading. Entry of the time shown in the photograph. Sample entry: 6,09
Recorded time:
8,32
